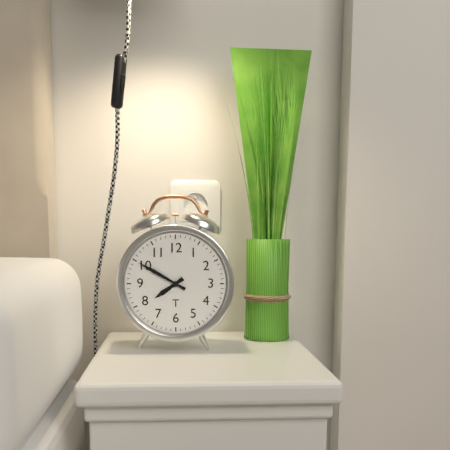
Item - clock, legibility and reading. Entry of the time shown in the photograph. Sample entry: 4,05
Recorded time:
7,50
